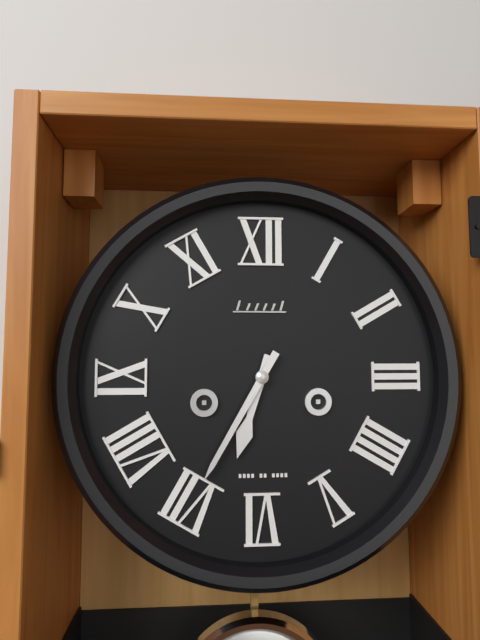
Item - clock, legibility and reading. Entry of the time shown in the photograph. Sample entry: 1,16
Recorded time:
6,35
